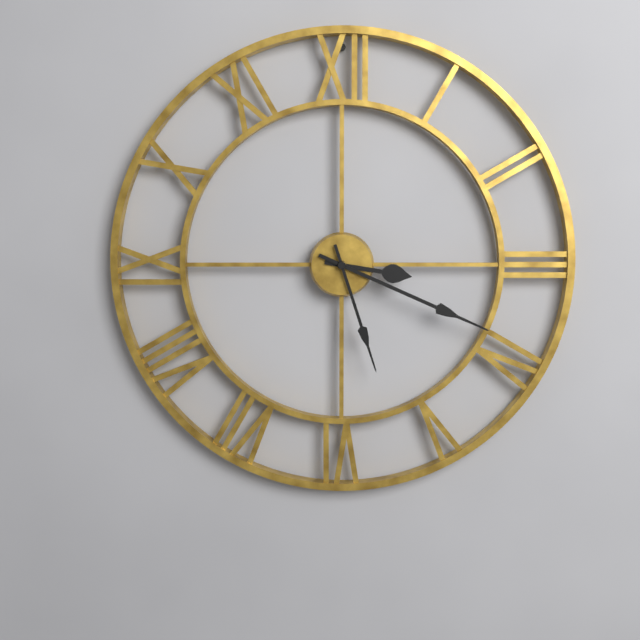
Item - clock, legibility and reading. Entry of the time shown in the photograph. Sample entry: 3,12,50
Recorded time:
3,19,27
